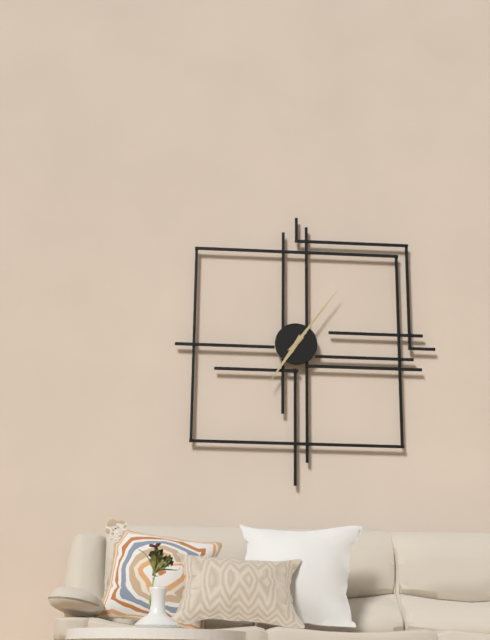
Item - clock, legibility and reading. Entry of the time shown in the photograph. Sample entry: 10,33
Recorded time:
7,06
